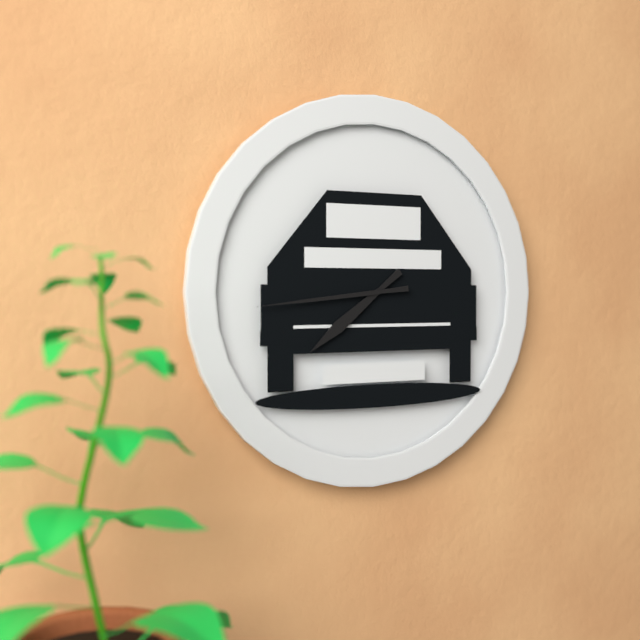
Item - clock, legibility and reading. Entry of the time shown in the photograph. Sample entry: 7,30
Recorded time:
7,44
